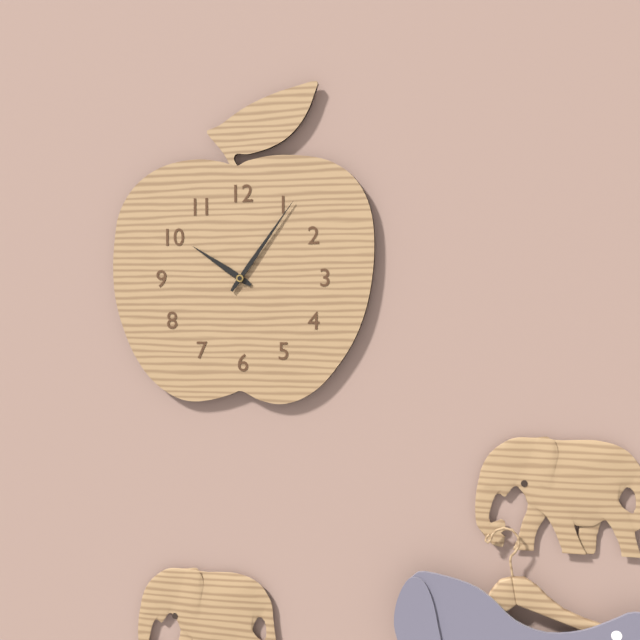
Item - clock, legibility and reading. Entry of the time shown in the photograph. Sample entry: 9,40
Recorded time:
10,06
